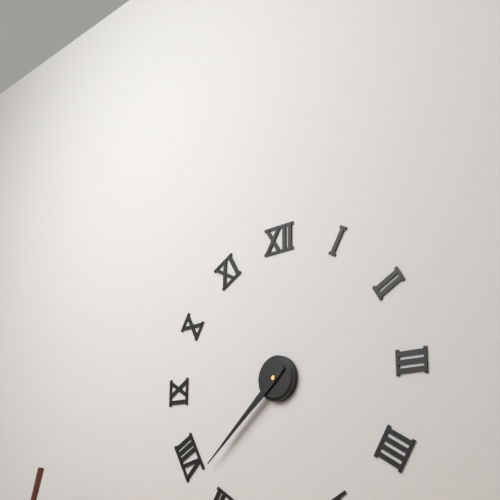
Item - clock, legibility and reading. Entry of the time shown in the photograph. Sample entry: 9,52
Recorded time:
7,38
